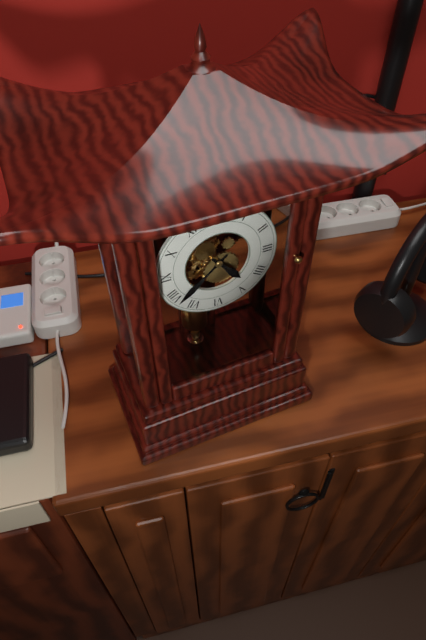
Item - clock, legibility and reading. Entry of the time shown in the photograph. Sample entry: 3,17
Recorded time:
4,38
